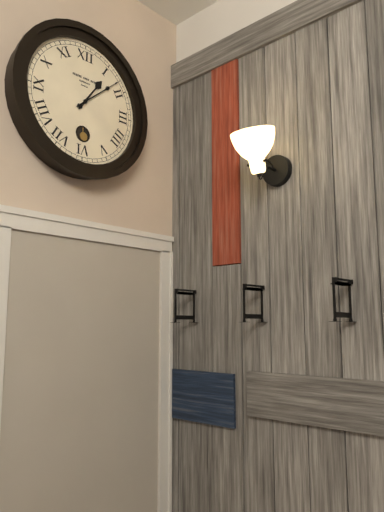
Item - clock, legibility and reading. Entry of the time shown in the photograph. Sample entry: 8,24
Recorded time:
1,08
